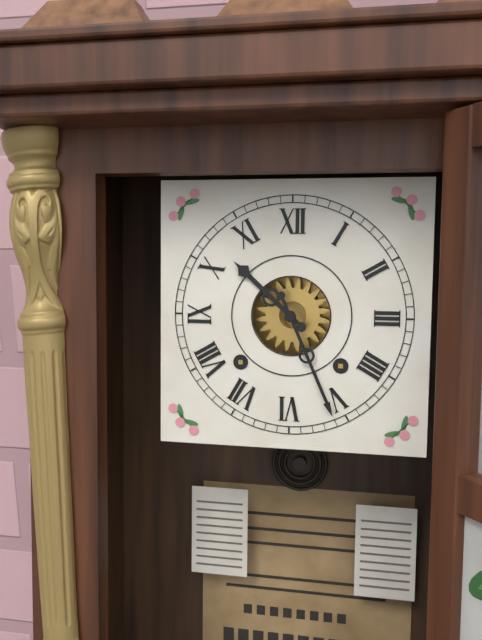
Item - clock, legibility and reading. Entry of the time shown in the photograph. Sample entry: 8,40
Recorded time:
10,26
